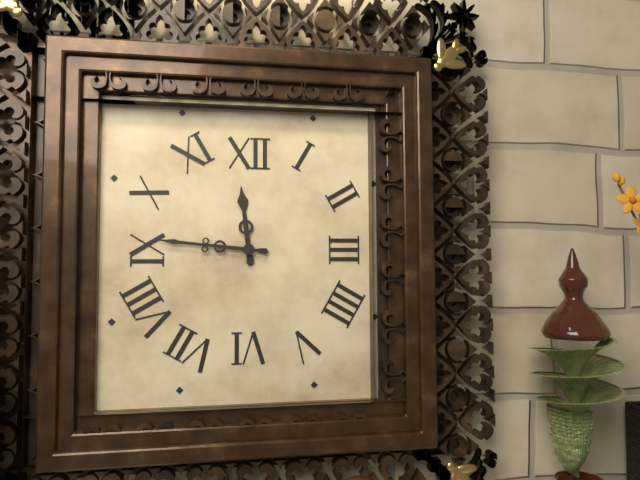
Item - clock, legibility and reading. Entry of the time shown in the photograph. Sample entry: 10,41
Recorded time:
11,46
